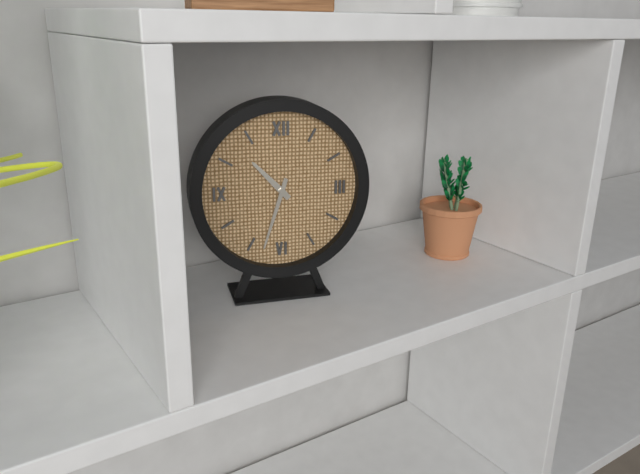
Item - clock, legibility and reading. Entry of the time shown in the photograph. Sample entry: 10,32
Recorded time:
10,33
